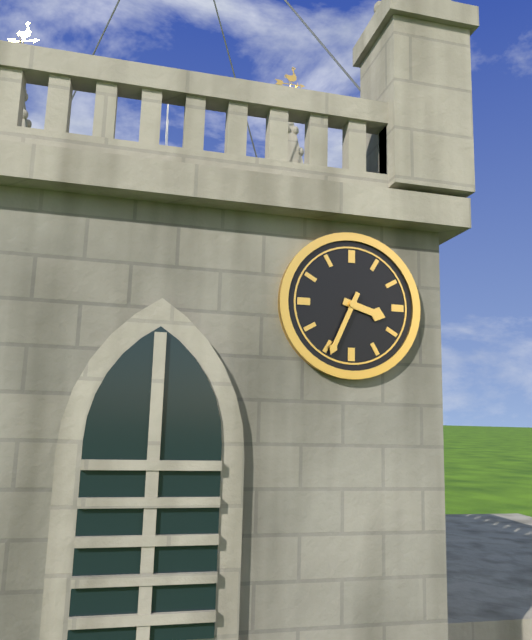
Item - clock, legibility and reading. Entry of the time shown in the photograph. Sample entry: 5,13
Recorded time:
3,34
